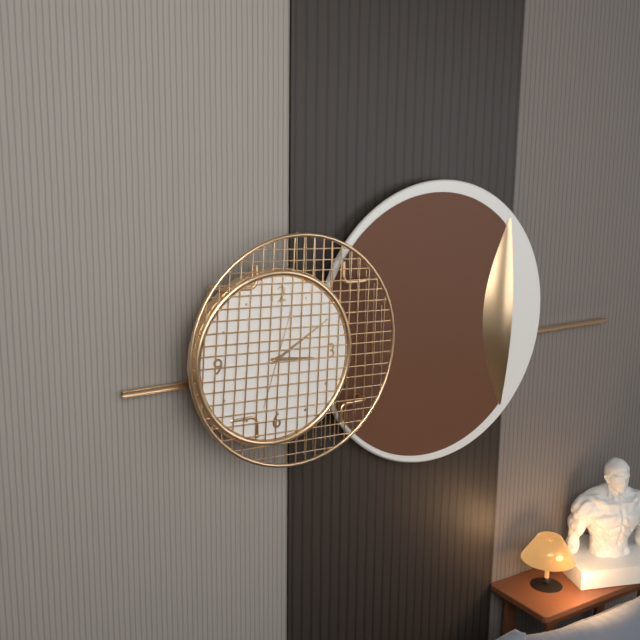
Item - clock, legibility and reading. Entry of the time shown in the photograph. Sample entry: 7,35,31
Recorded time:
3,10,03
